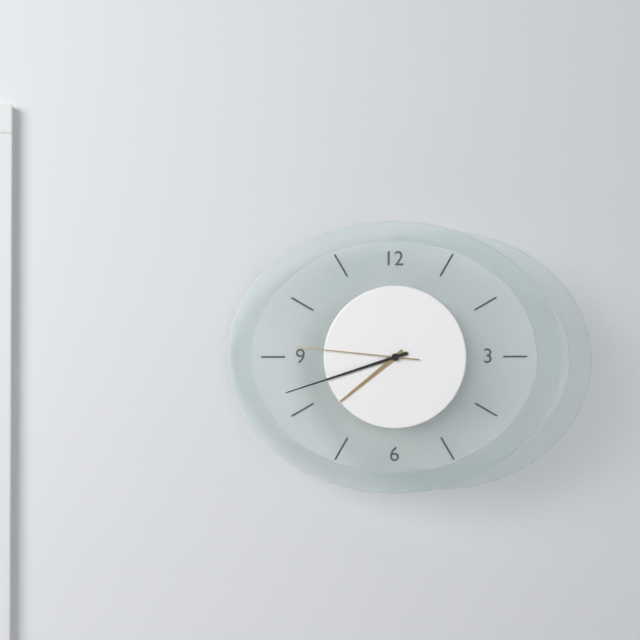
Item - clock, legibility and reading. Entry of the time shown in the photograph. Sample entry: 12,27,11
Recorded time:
7,42,46
